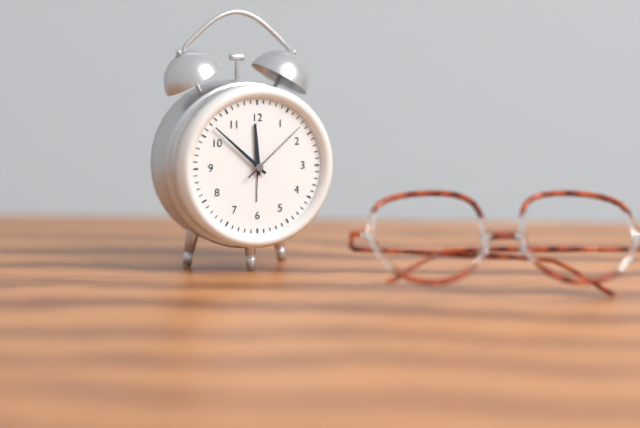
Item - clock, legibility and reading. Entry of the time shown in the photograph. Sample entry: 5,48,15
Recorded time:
11,52,08
